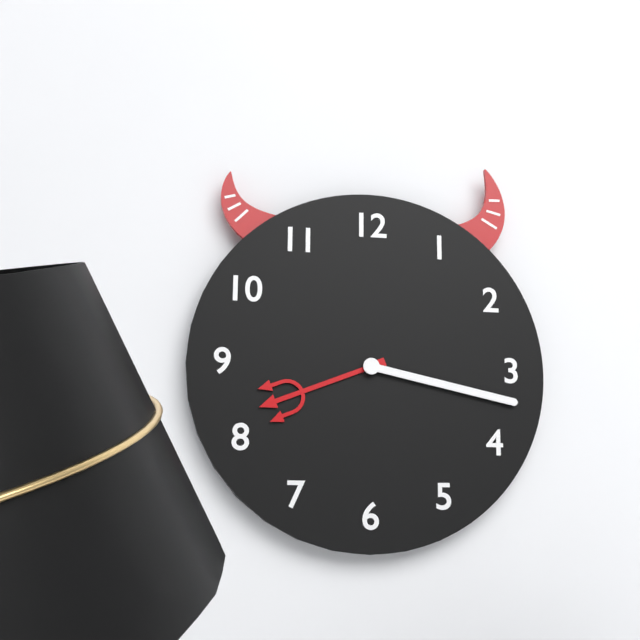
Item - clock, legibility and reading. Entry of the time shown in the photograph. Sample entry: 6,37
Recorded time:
8,17
